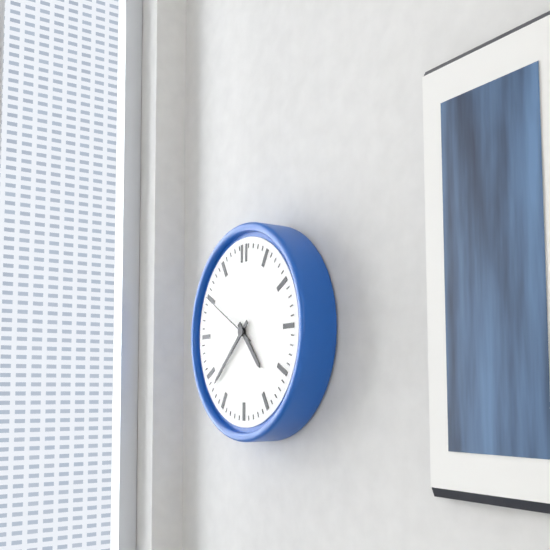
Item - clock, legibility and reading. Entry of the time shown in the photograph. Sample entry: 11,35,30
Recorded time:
4,38,50
